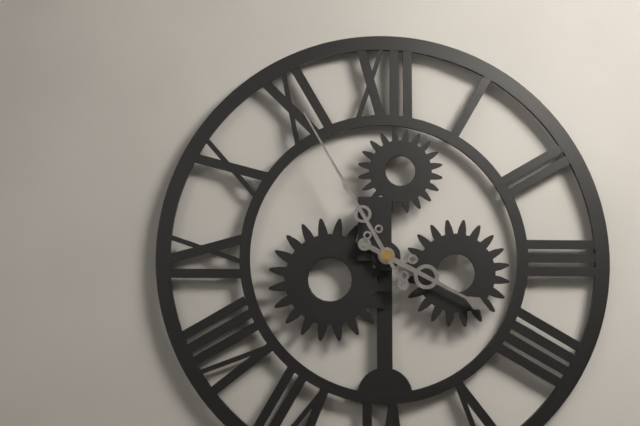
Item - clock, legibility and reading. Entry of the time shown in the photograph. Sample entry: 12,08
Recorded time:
3,55
